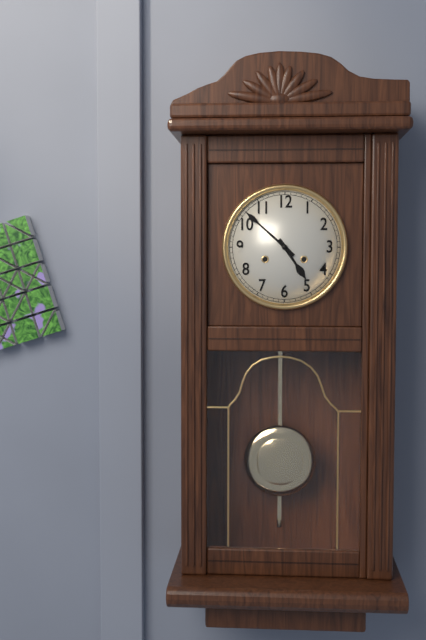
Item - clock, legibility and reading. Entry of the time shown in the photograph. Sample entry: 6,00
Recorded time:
4,52
